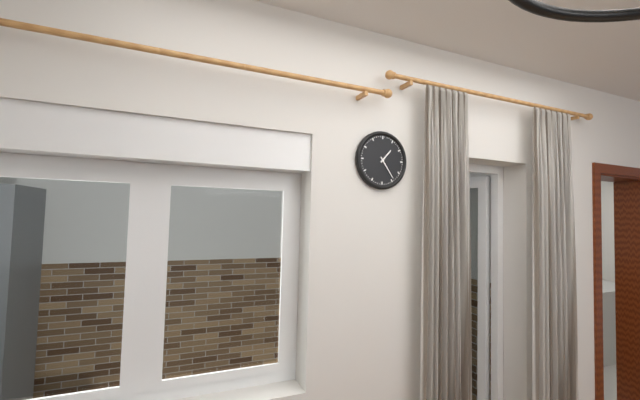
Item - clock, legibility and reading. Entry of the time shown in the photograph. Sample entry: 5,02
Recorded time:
1,24
